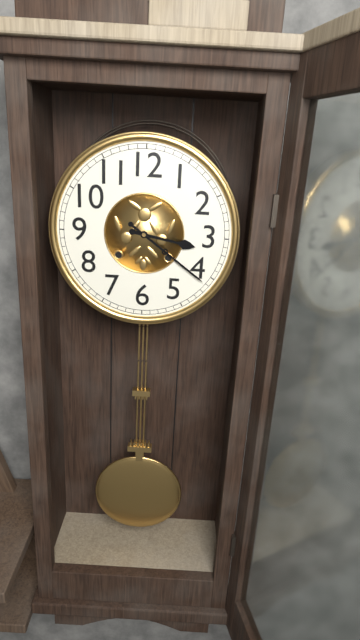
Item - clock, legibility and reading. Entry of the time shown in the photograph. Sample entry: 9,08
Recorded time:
3,21
